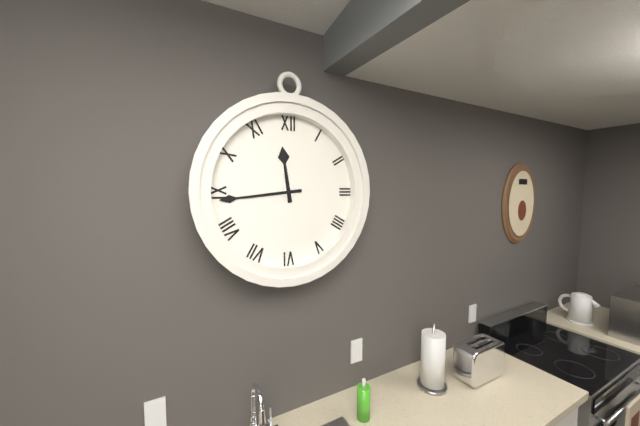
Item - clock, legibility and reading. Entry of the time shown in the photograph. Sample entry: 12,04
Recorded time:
11,44
